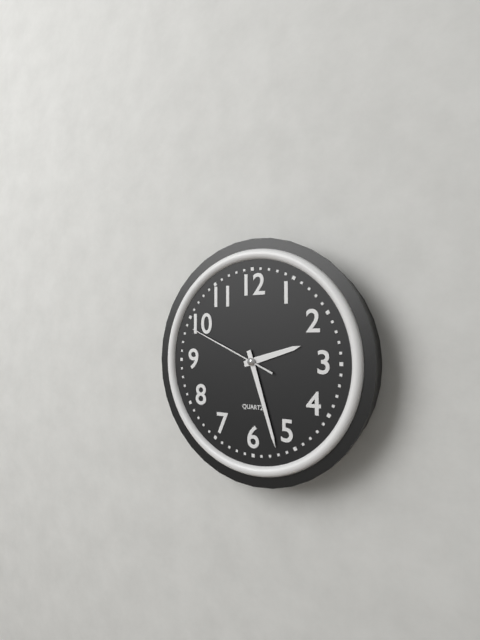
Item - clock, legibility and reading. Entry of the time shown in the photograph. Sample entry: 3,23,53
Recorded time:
2,27,49
